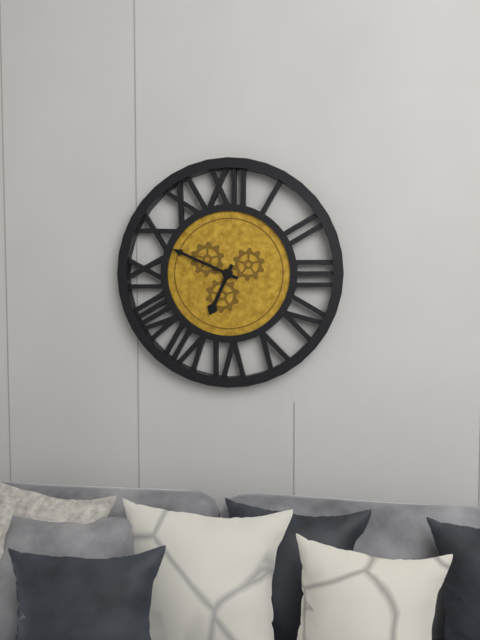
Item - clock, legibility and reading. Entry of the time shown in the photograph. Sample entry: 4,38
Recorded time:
6,49
